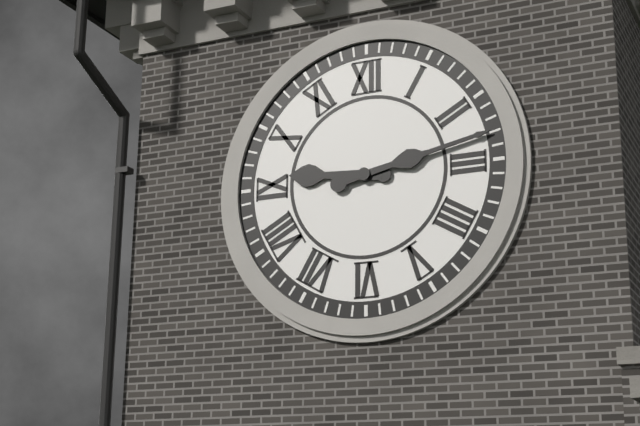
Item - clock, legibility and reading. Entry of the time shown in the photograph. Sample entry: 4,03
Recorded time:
9,13
